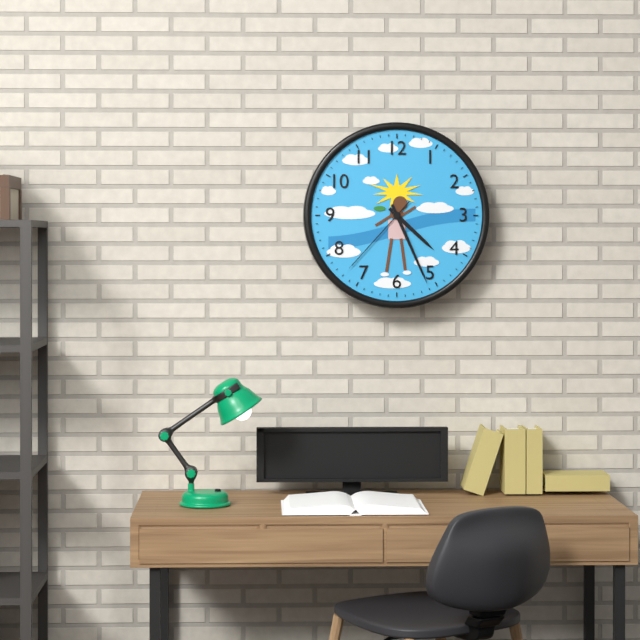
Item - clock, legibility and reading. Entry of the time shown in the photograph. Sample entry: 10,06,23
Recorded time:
4,26,37
